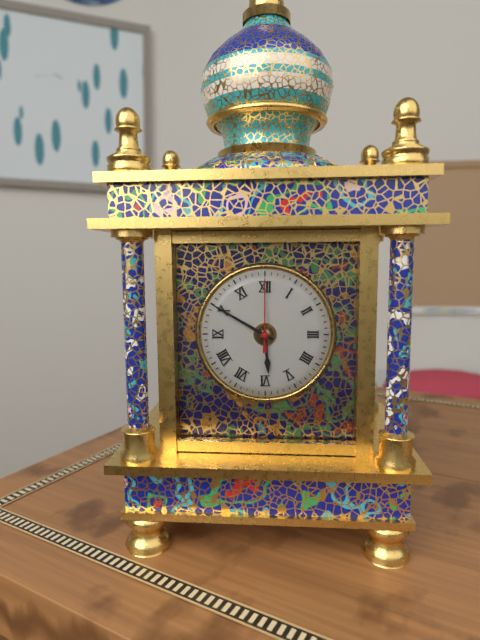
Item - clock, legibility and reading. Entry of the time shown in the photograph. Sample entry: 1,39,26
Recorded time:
5,50,00
